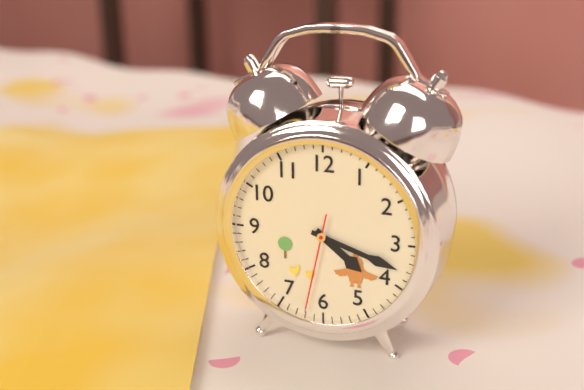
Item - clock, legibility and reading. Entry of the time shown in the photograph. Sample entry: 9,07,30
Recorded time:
4,18,32
